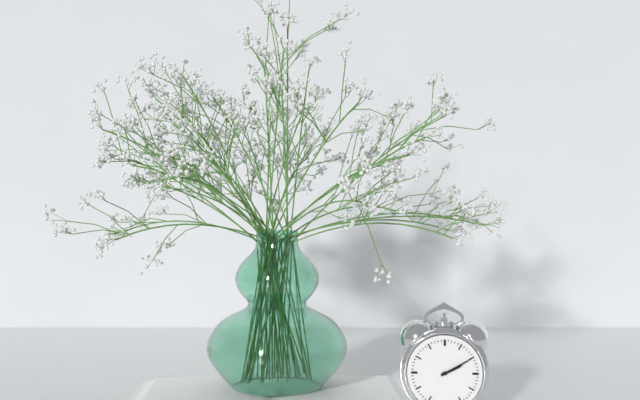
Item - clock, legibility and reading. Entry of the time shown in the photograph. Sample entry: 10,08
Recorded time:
2,10
